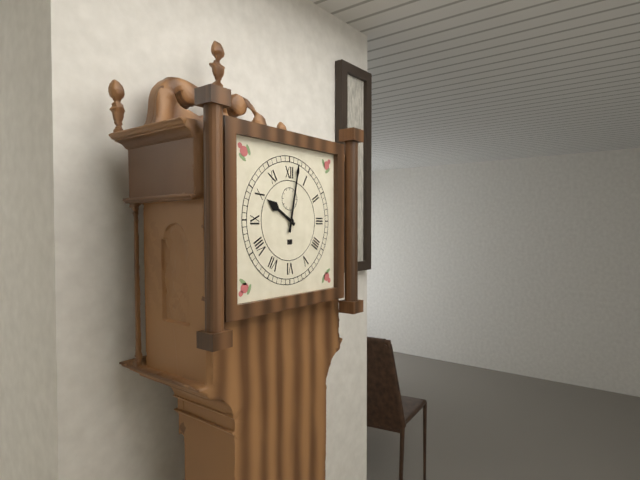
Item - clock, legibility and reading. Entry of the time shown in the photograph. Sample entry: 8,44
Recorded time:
10,02
